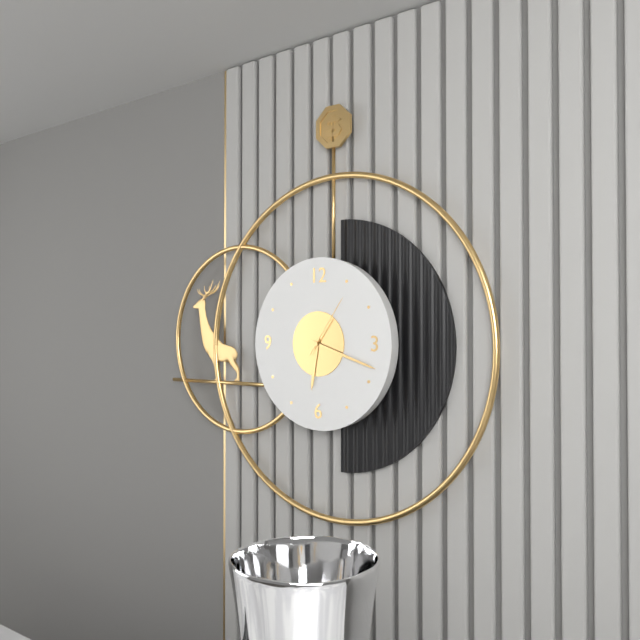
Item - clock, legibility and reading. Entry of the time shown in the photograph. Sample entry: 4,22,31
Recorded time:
6,18,06
